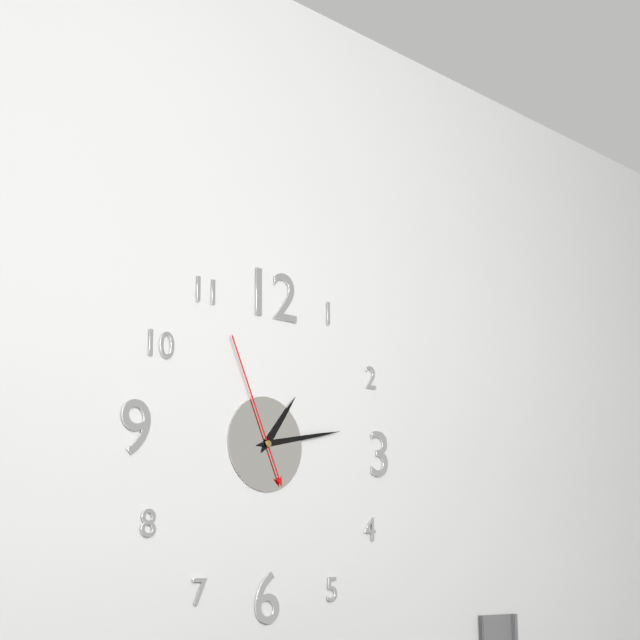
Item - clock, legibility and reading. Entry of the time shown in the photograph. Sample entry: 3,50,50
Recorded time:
1,13,56
